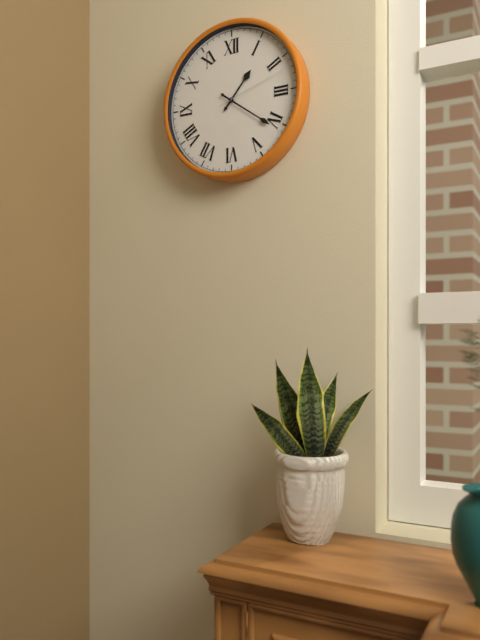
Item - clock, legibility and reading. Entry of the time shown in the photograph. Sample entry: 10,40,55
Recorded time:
1,21,12
